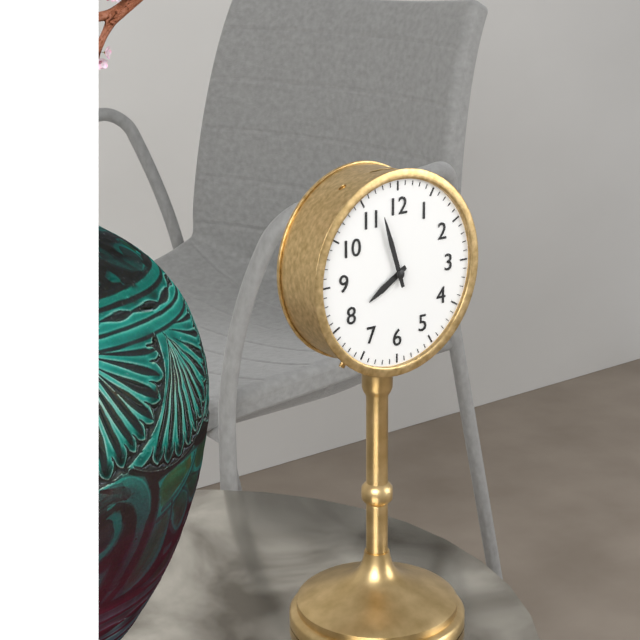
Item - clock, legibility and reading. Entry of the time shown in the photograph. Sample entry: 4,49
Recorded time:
7,57
